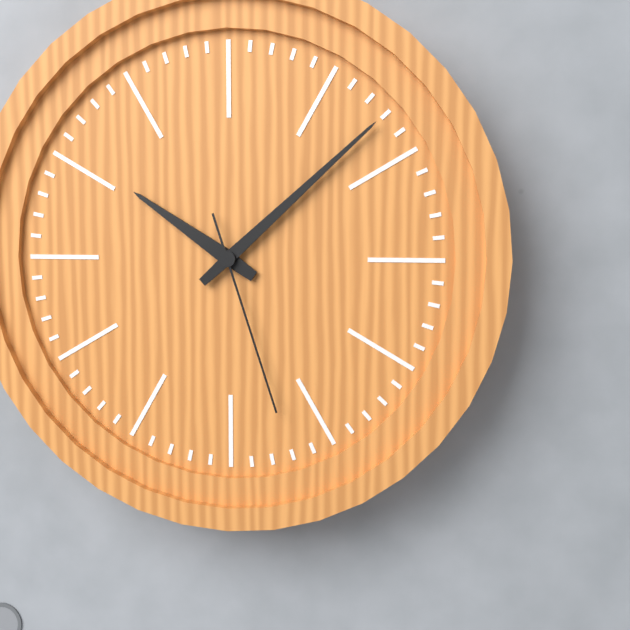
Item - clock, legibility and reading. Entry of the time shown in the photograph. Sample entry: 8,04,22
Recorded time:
10,08,27
